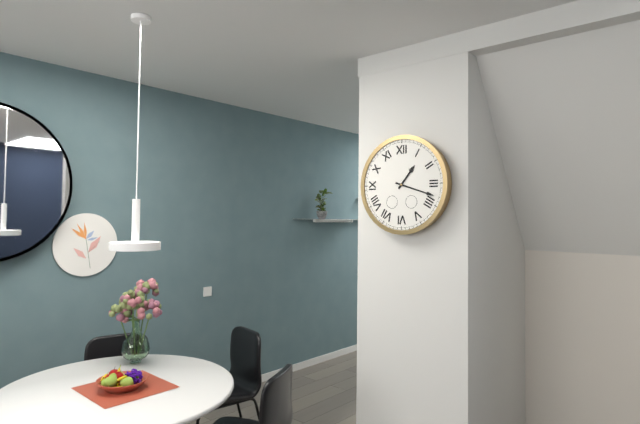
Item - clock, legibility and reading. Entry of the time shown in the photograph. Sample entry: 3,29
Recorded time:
1,18
